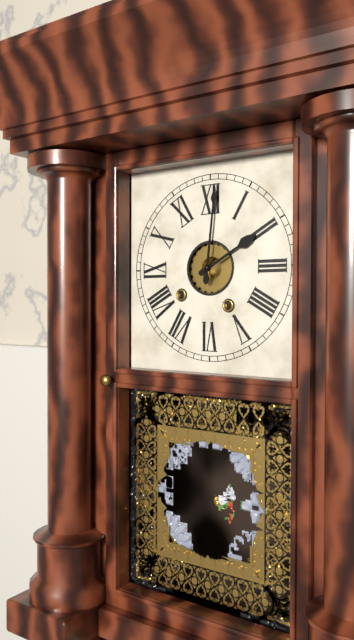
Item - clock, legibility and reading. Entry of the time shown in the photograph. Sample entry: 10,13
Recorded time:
2,01
